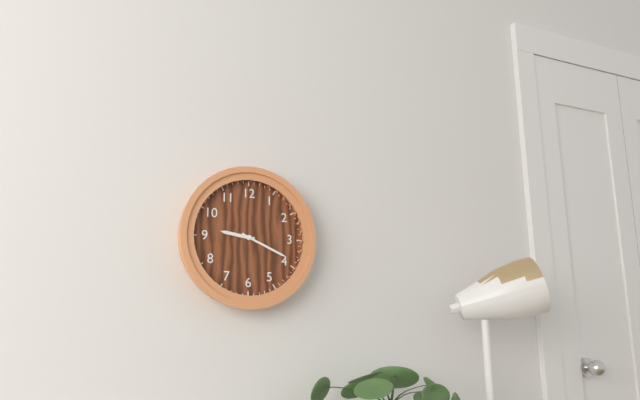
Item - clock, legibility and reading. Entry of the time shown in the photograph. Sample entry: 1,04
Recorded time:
9,19
